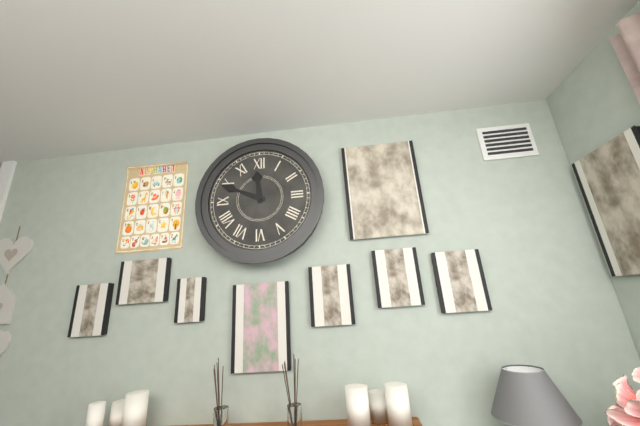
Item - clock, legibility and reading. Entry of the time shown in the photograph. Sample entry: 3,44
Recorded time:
11,49
